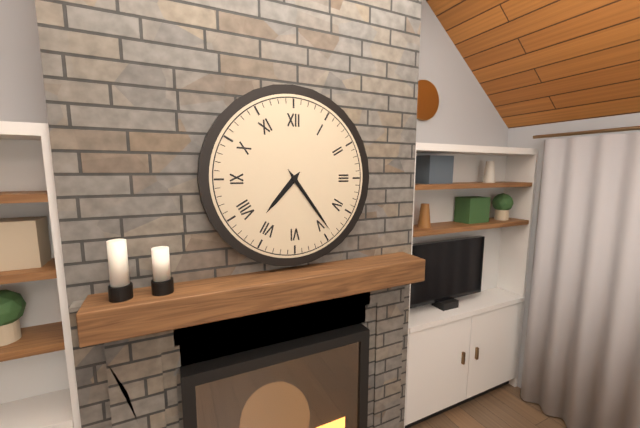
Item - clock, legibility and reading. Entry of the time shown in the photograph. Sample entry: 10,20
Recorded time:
7,24
